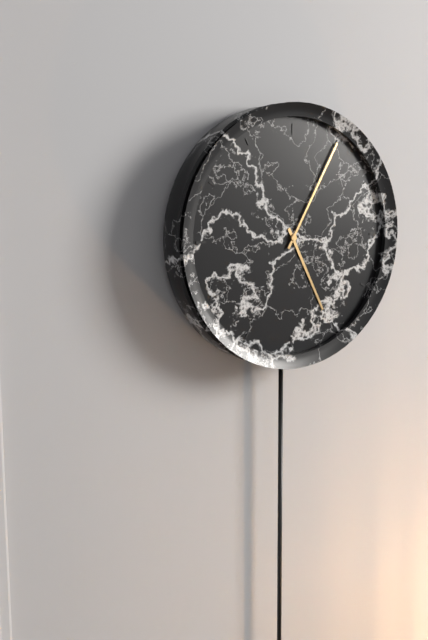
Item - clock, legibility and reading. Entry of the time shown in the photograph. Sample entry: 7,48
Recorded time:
5,05
